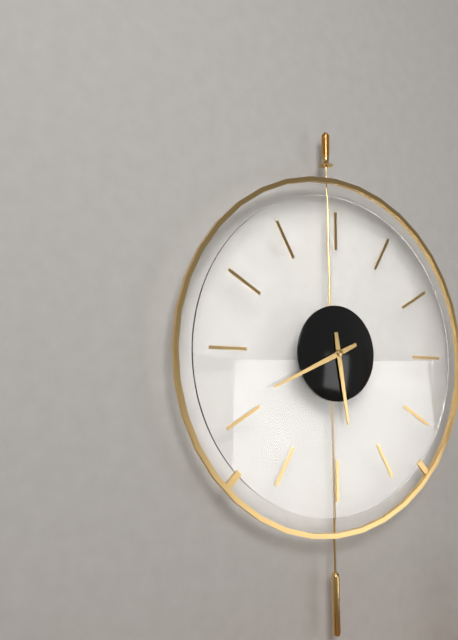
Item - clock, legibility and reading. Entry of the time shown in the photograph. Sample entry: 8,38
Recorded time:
5,41
